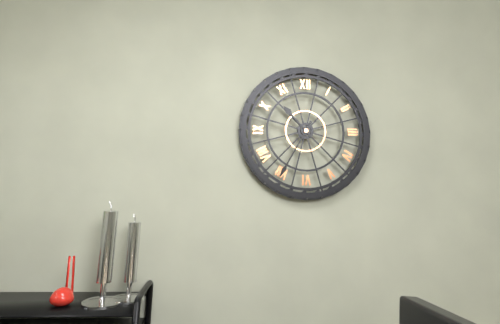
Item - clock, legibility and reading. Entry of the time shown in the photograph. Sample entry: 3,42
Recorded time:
10,35
